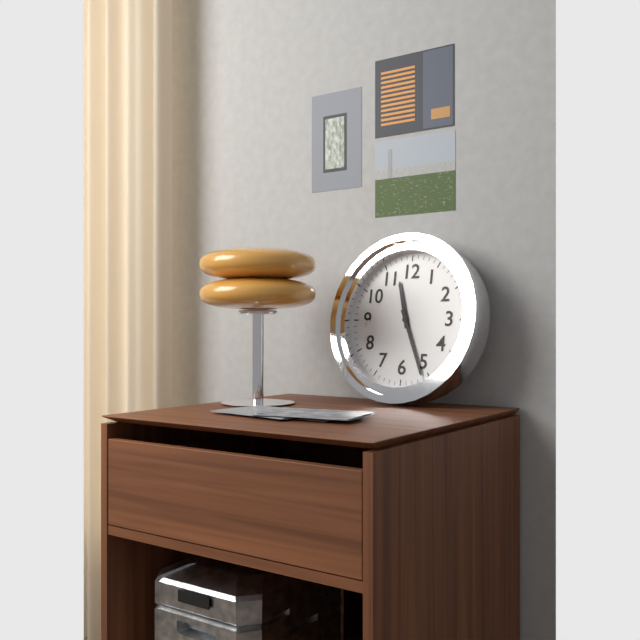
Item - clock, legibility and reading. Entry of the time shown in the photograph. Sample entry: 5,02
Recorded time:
11,26
